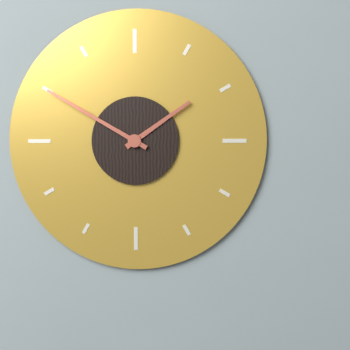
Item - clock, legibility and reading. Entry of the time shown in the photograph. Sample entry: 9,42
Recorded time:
1,50
